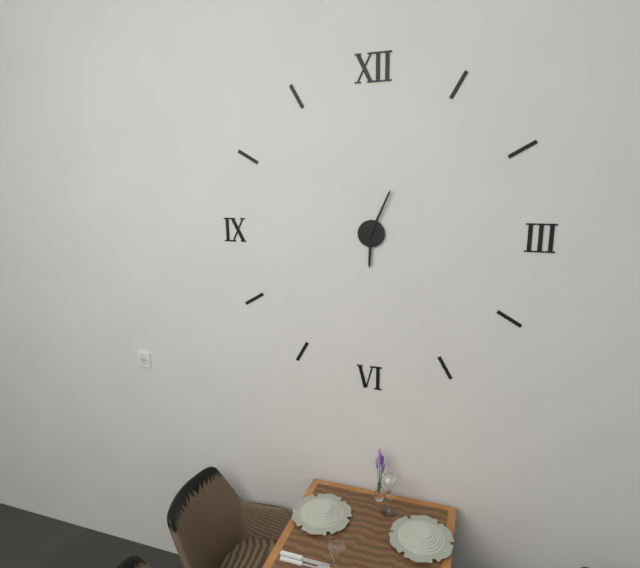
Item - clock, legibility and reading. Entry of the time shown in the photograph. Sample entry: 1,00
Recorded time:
6,04
